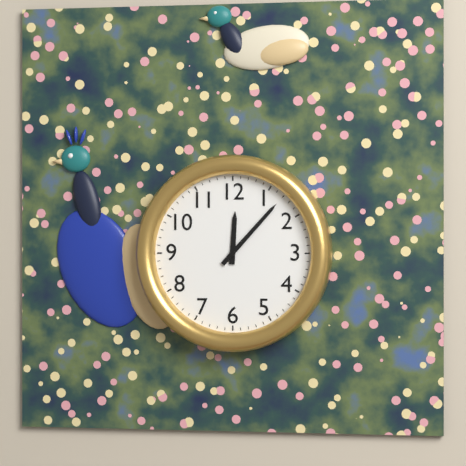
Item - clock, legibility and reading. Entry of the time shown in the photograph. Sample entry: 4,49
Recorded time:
12,07
